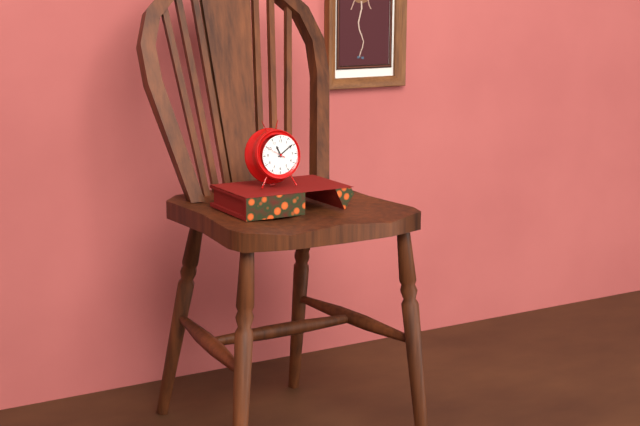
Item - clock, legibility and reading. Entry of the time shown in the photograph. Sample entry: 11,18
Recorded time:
11,09
